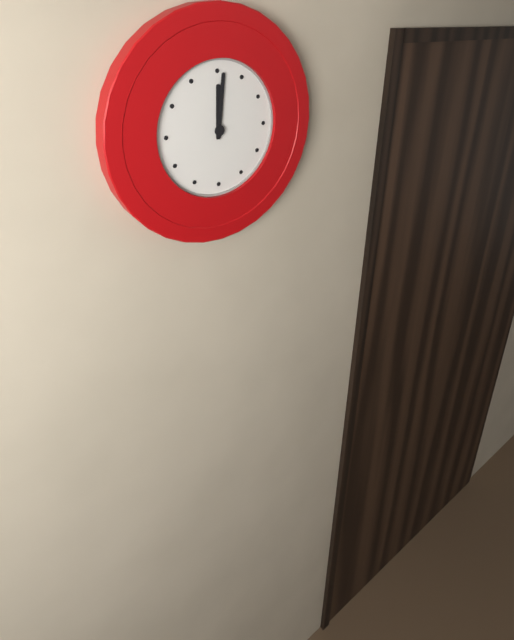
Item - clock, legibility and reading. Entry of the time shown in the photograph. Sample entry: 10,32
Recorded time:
12,01
